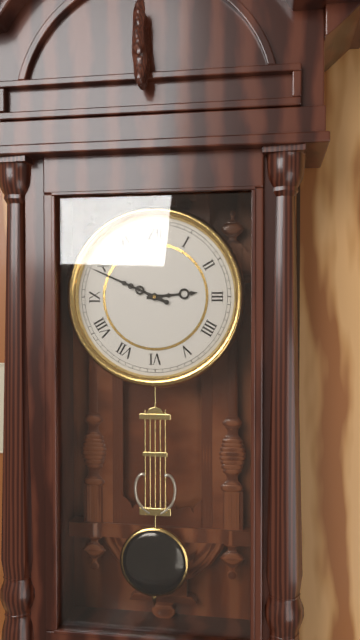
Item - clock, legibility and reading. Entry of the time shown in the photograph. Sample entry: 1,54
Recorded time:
2,49
